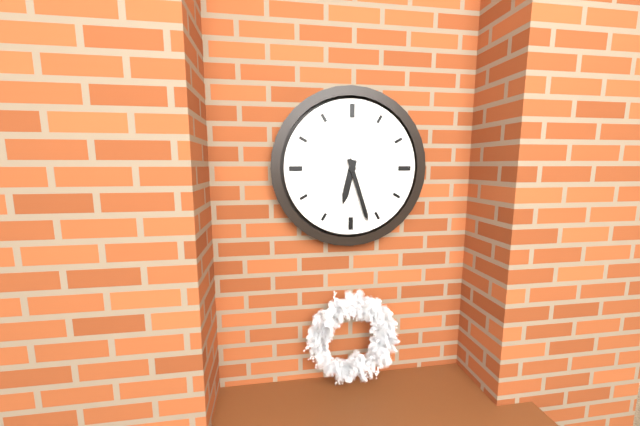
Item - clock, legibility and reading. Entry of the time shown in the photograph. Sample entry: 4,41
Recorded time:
6,27
